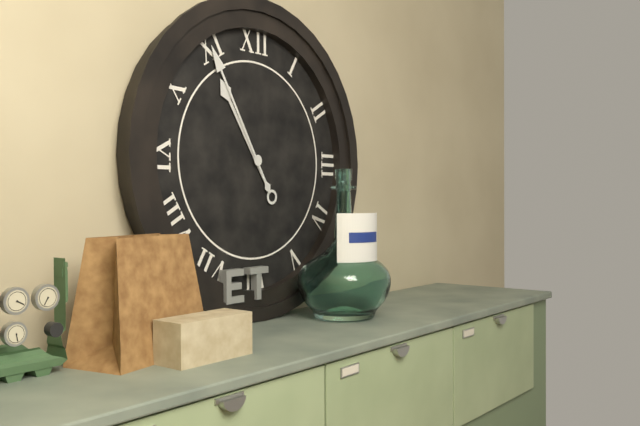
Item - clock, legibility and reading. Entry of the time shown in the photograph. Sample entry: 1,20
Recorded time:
10,55
